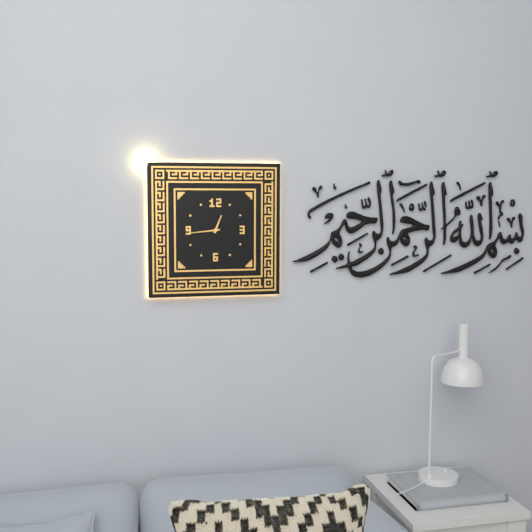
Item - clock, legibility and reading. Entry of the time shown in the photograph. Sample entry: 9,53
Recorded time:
12,44
